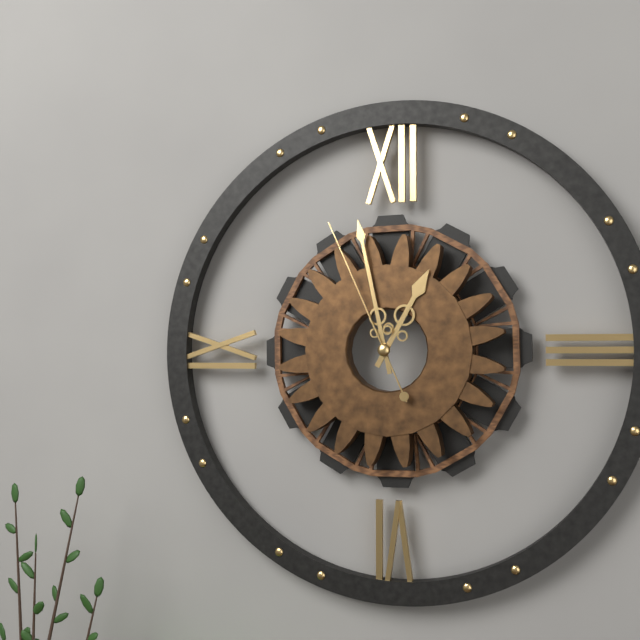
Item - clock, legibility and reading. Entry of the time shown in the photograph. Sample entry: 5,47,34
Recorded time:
12,58,56
